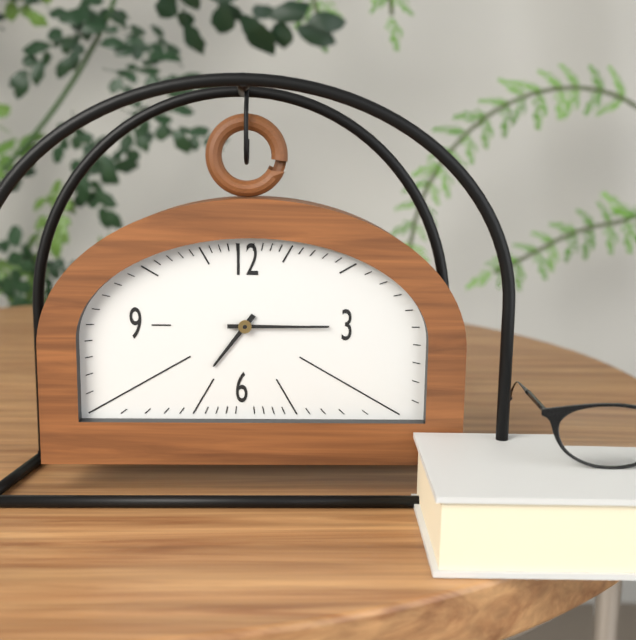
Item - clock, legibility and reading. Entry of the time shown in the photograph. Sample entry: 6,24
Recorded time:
7,15
